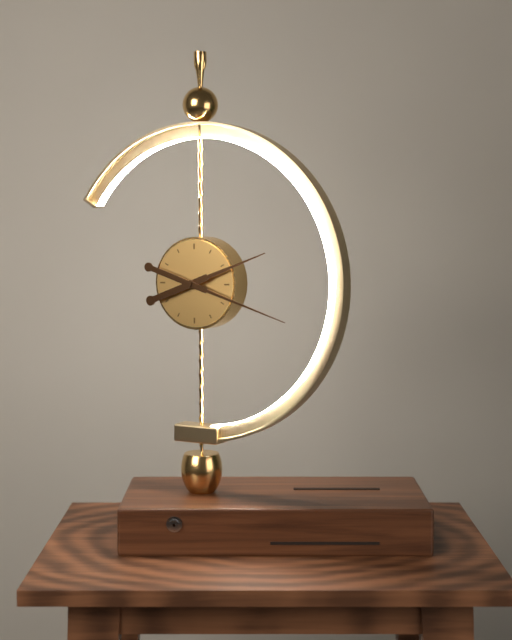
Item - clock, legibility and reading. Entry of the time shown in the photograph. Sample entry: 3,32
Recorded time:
2,18
